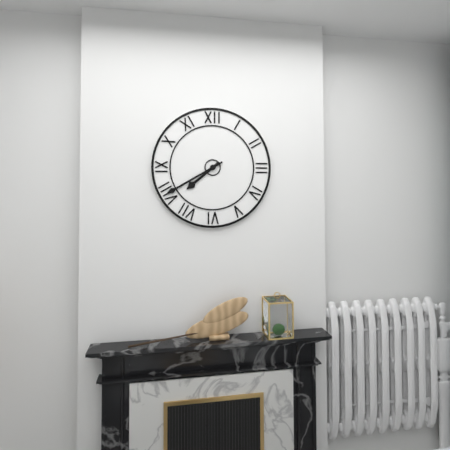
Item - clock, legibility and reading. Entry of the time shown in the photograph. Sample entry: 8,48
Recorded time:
7,40
